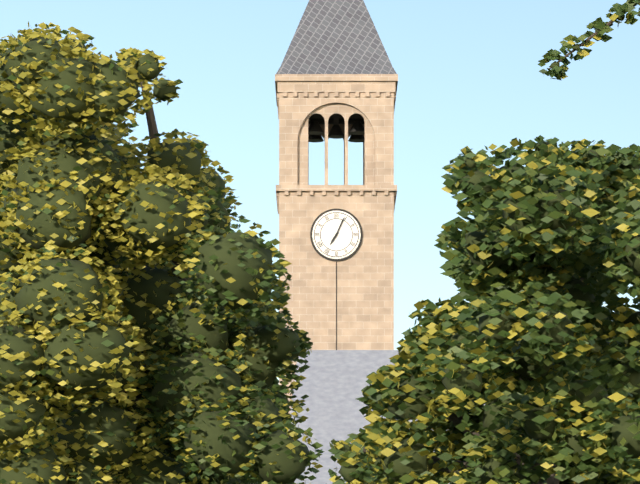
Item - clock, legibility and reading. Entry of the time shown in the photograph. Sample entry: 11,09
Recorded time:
7,04
